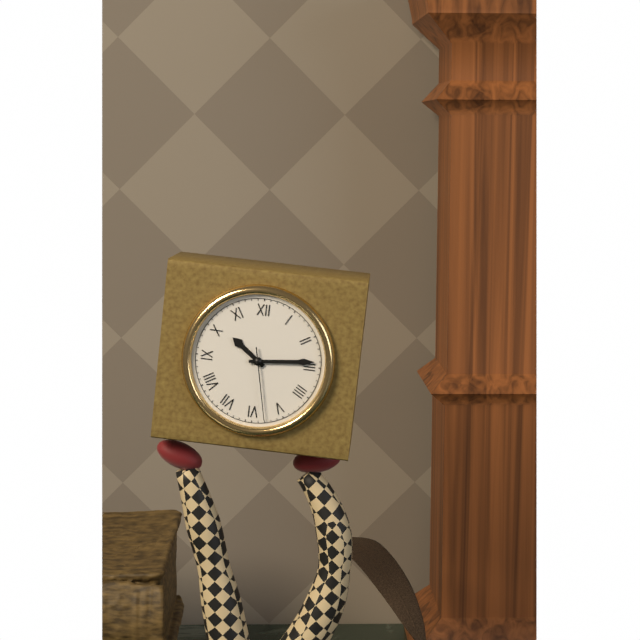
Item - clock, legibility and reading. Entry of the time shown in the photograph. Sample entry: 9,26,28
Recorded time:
10,14,28
